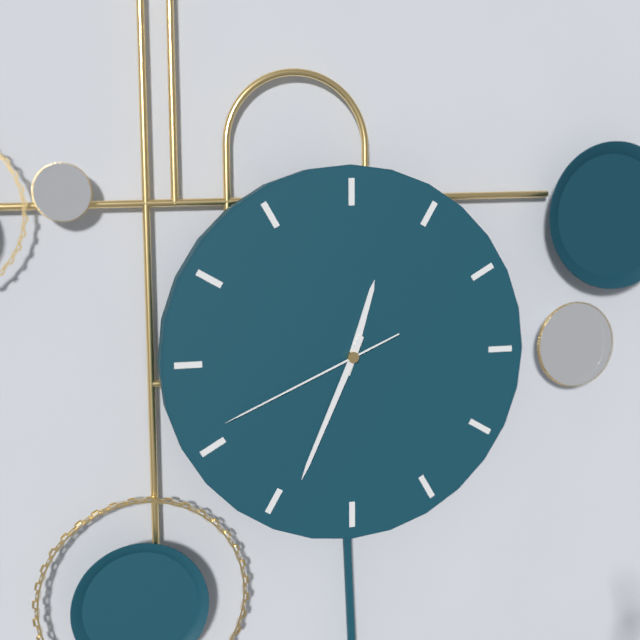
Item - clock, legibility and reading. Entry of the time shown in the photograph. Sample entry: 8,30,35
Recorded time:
12,34,41
